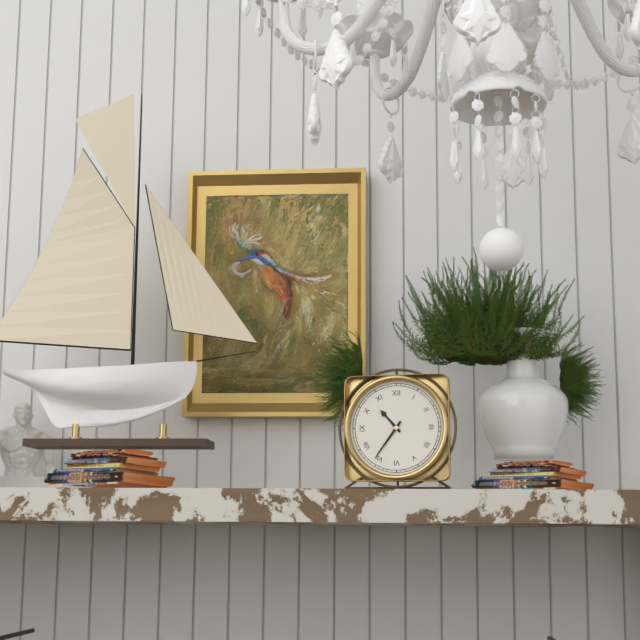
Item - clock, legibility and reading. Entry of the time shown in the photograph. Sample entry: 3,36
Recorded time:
10,36
